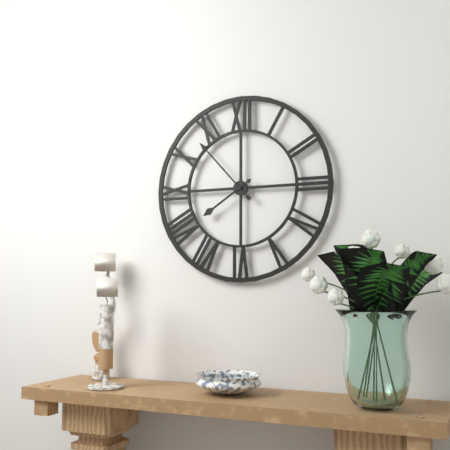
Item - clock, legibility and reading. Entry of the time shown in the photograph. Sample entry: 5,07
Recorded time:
7,53
